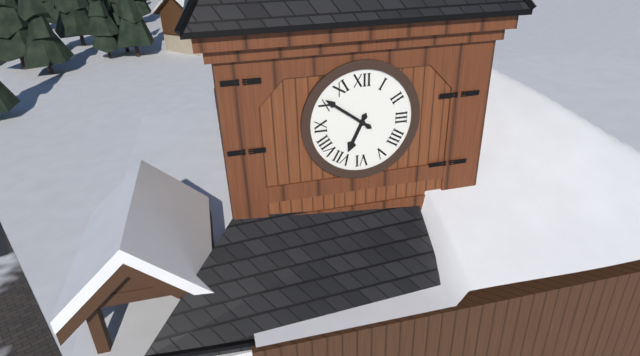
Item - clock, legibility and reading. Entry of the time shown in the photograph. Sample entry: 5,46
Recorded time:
6,51
